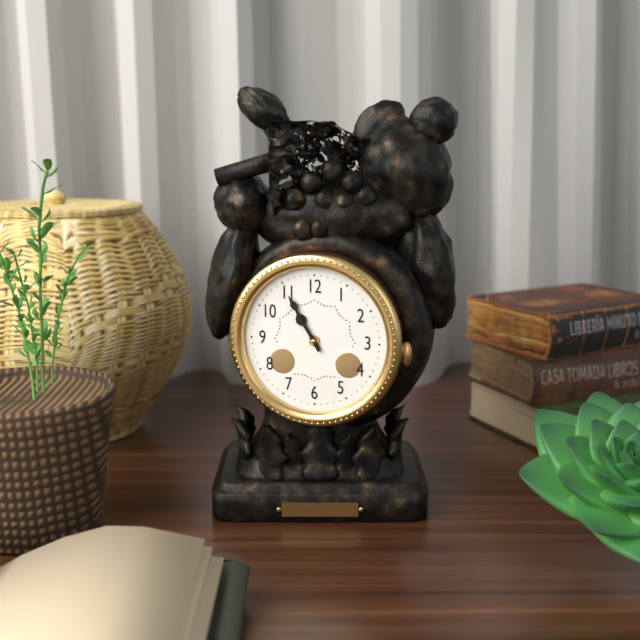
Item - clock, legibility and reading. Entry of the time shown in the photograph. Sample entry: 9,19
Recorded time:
10,55
